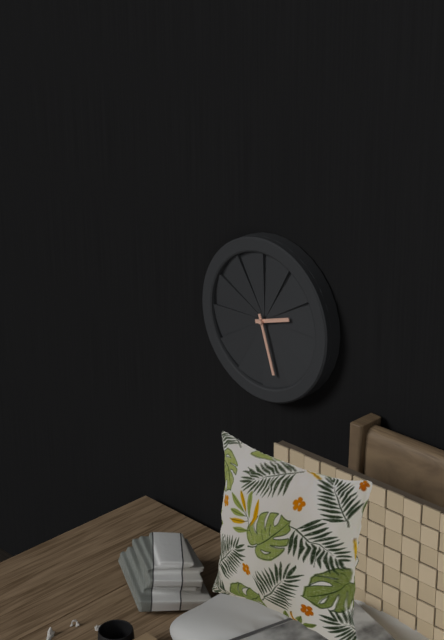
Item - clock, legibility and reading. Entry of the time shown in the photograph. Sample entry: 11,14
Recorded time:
2,27
